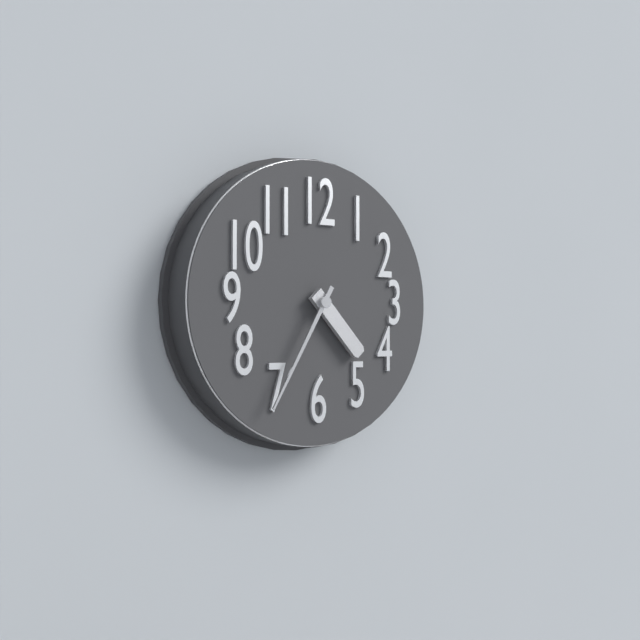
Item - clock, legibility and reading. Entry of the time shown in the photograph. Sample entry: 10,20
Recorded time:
4,35
